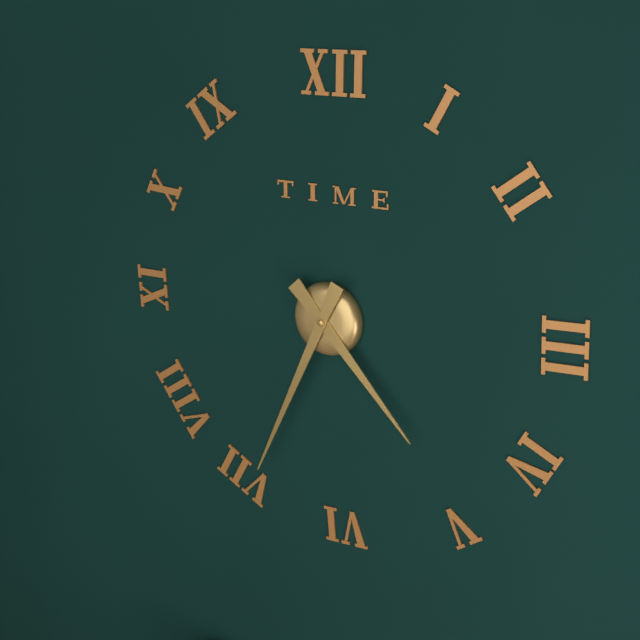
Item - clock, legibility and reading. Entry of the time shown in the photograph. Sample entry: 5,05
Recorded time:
4,34
